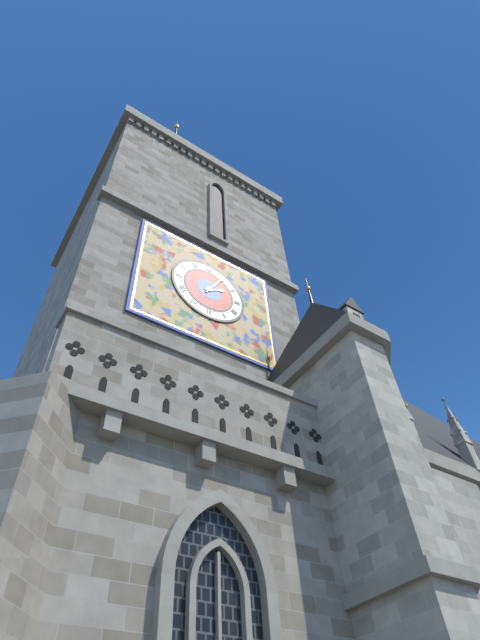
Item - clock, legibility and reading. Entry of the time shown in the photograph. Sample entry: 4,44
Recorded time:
2,05
